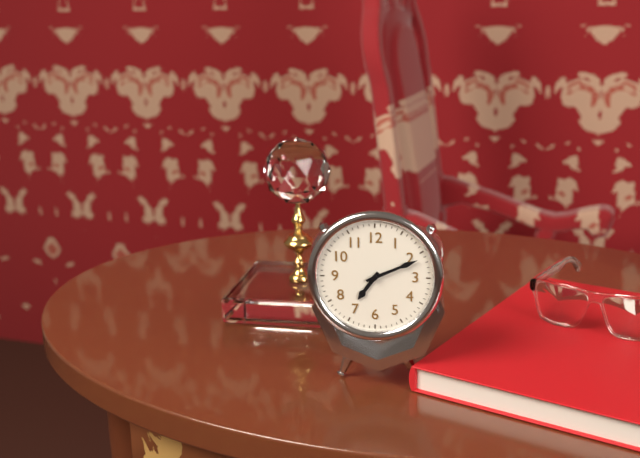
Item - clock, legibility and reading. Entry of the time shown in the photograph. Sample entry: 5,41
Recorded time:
7,11
